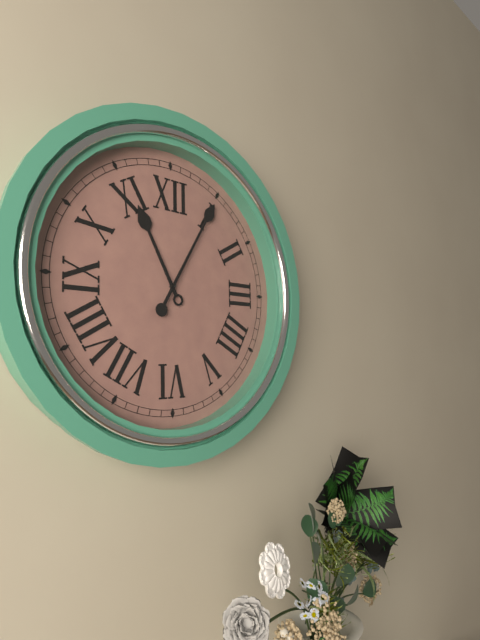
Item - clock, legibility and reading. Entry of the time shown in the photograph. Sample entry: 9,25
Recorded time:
11,05
